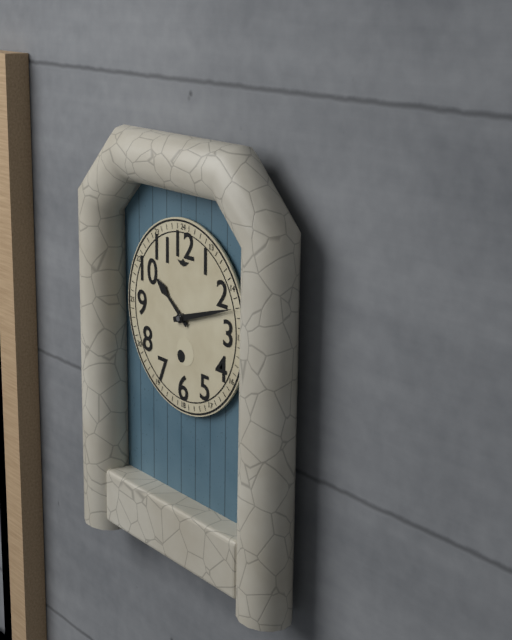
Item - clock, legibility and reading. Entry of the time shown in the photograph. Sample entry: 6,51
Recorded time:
10,12
